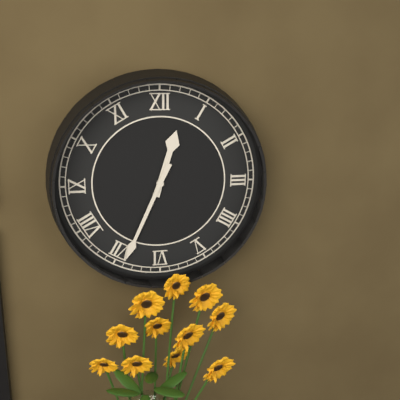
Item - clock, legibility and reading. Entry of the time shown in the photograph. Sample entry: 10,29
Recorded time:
12,34
